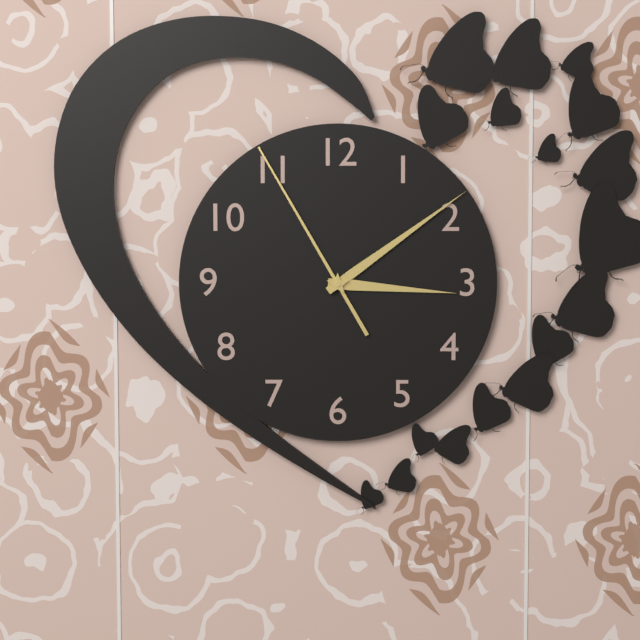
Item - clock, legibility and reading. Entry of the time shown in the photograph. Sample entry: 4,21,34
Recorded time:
3,09,55
